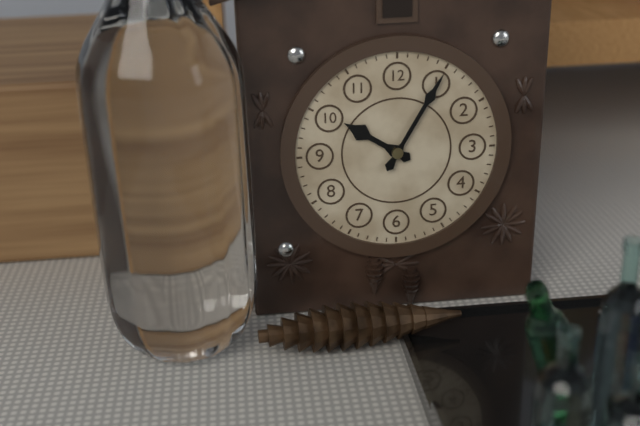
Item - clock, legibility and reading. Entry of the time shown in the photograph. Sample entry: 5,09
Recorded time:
10,05
